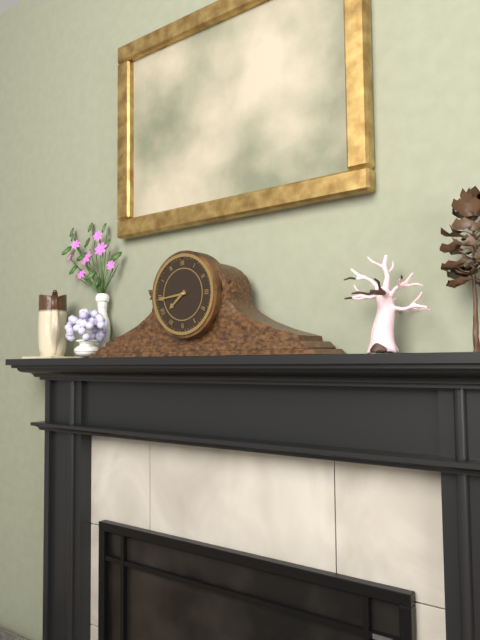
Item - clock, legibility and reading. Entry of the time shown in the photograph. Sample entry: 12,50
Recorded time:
7,44
